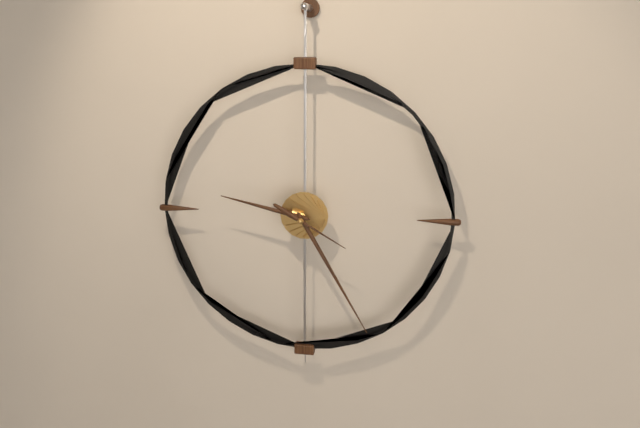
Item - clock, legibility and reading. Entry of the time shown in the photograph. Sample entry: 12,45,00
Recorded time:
9,25,20
